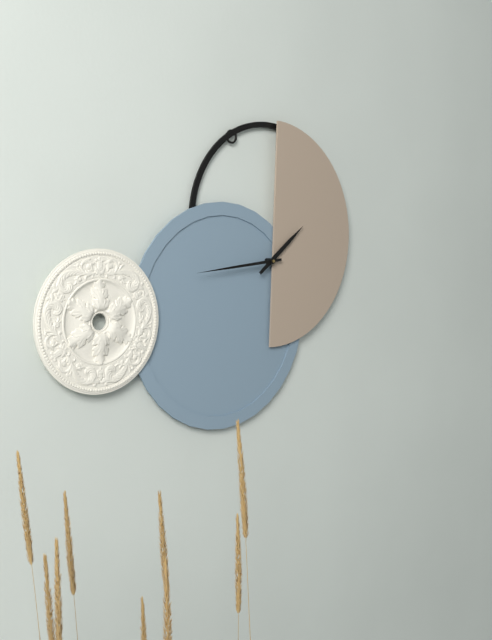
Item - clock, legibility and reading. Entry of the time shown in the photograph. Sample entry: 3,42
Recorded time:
1,44
